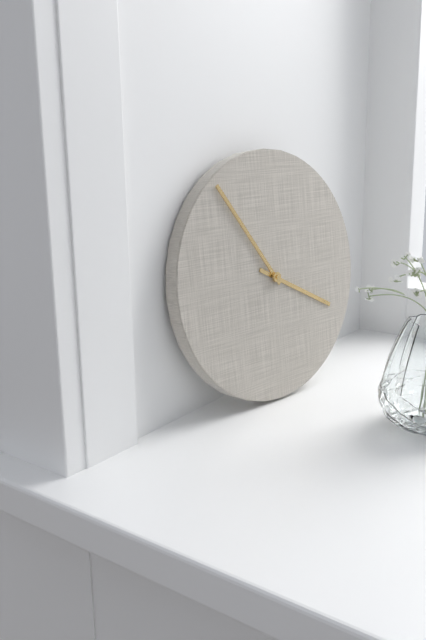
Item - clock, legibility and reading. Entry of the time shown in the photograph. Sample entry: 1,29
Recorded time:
3,54
